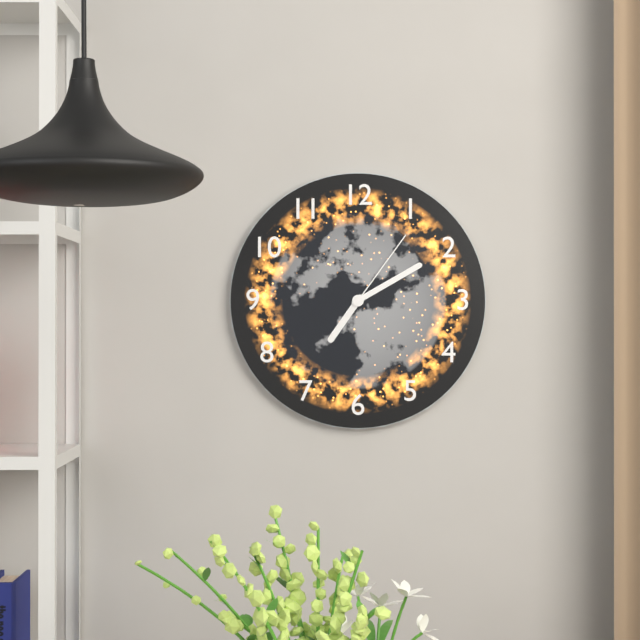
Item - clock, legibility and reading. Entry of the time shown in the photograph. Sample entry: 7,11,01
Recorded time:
7,10,06
